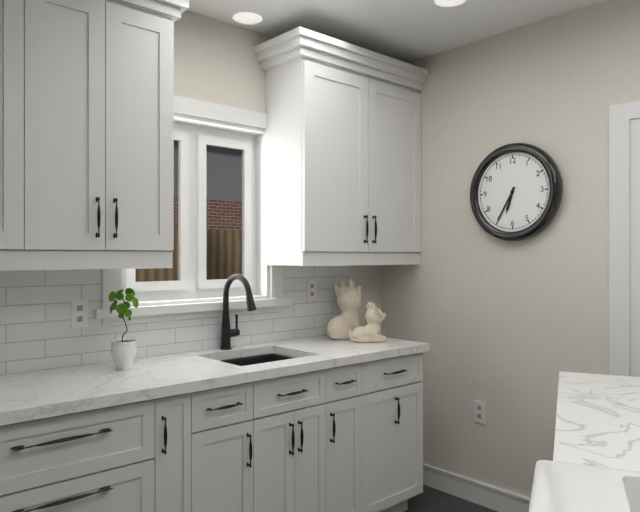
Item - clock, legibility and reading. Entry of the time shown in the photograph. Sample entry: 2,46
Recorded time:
6,35
